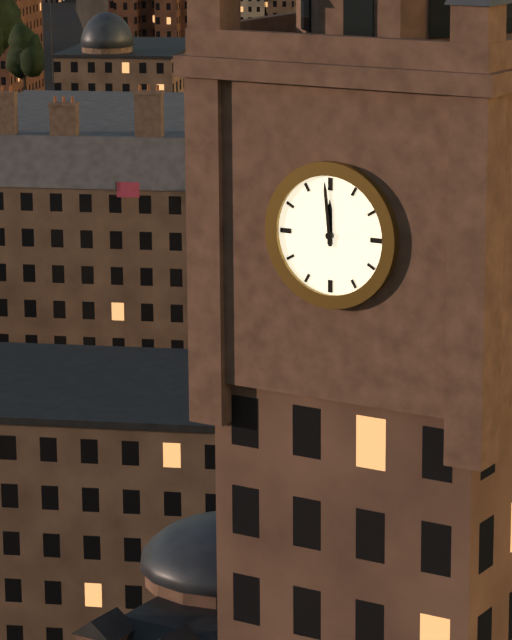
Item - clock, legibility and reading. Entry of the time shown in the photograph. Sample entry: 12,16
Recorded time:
11,59
